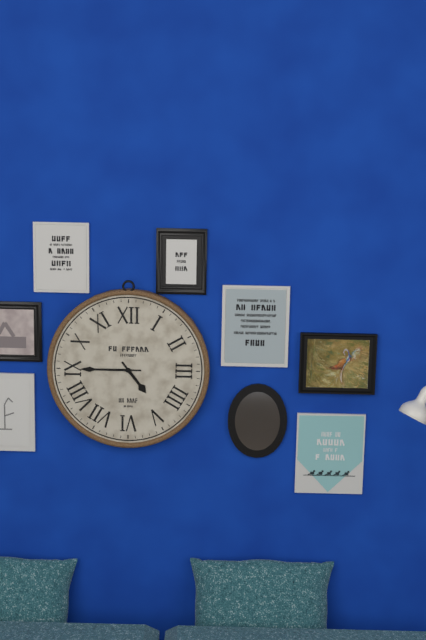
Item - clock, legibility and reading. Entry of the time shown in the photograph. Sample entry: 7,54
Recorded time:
4,45
